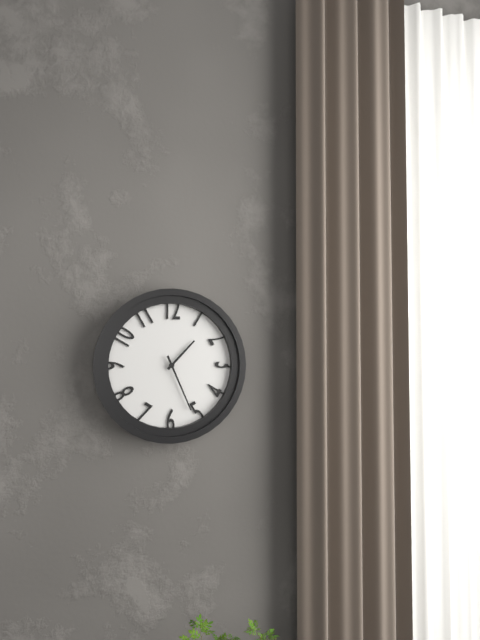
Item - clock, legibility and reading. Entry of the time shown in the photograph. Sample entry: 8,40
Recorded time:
1,26
